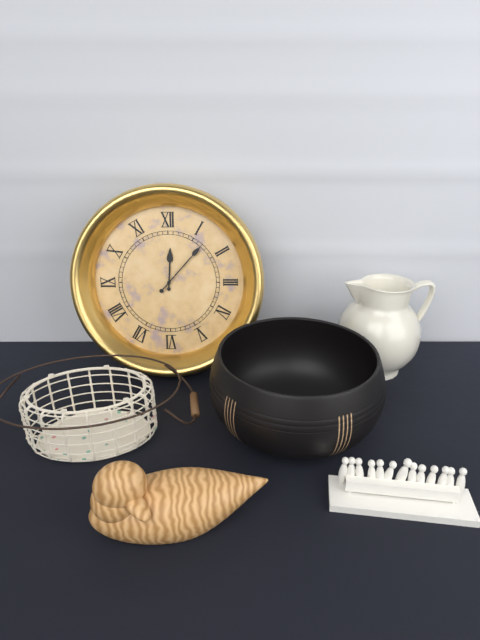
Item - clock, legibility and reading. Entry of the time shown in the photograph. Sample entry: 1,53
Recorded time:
12,07
